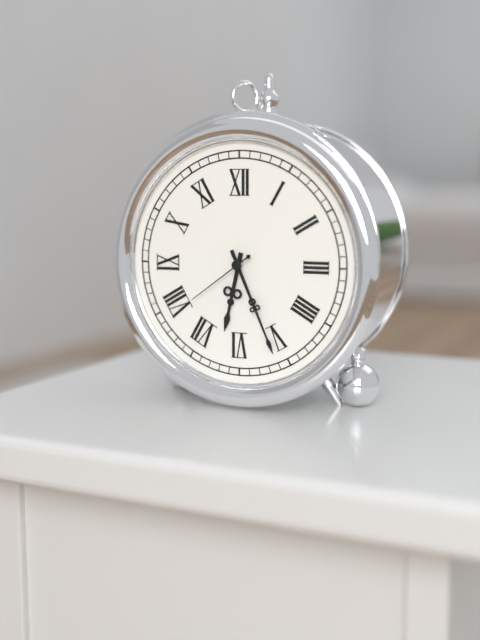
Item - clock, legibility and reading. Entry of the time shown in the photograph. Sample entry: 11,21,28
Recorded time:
6,26,39
